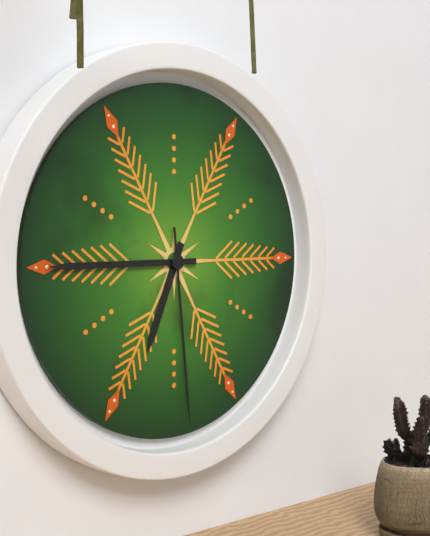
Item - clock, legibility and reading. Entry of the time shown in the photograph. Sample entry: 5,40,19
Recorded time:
6,45,29
